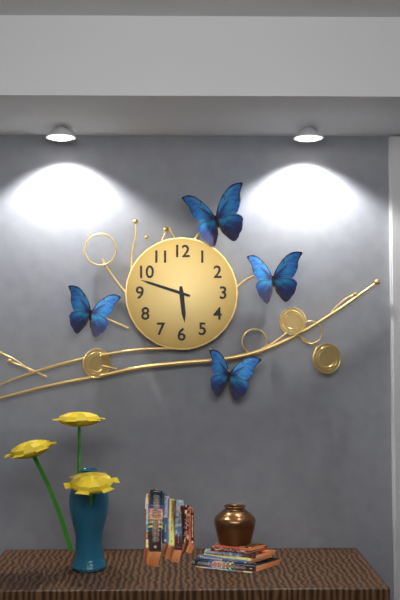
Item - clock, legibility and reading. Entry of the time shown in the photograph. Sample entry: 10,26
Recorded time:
5,48
